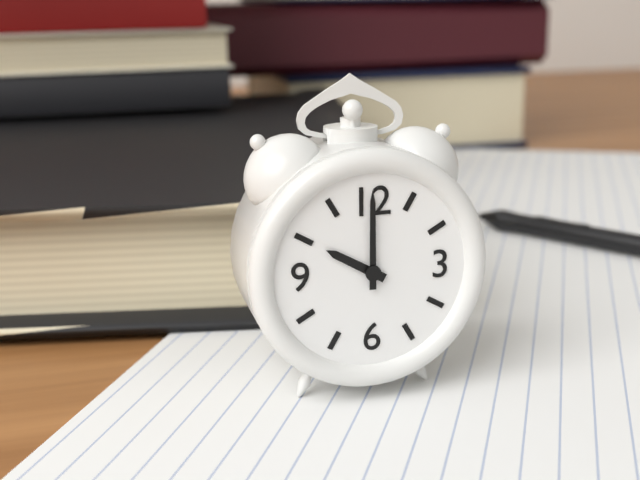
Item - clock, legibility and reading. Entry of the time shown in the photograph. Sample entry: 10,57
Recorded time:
10,00
